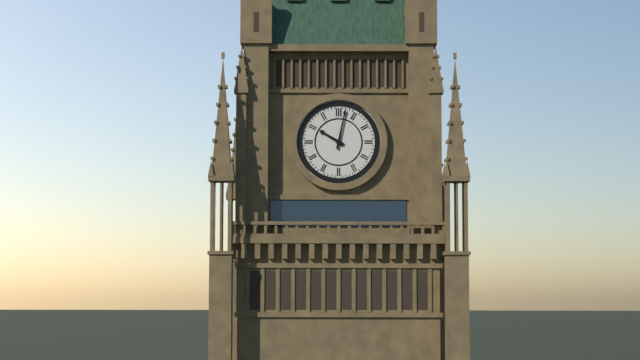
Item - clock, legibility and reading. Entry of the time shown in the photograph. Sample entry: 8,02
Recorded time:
10,02
